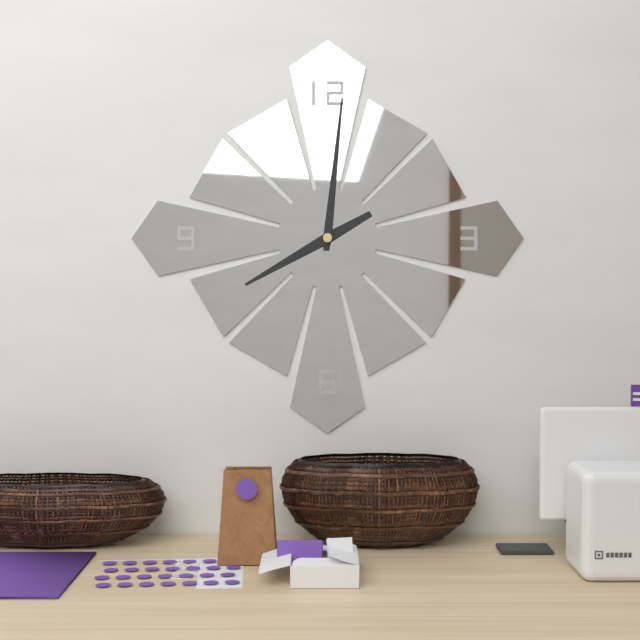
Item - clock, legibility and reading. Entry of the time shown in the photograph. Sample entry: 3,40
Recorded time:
8,01
